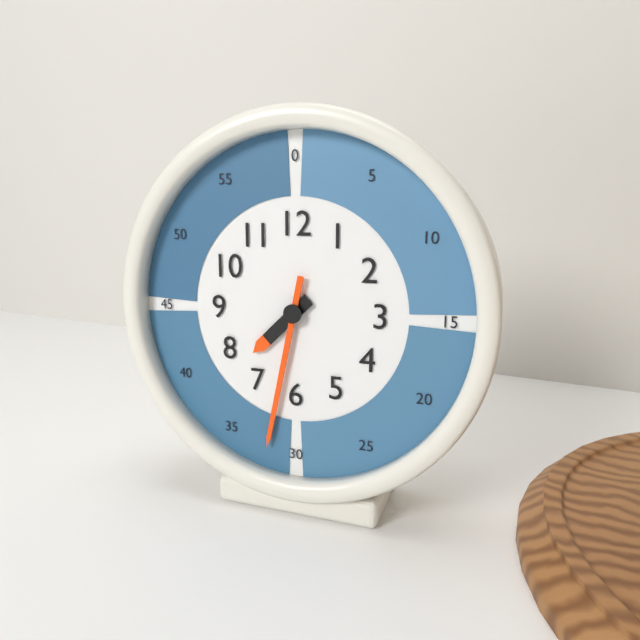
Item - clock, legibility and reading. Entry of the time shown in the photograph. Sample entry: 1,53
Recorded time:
7,32
